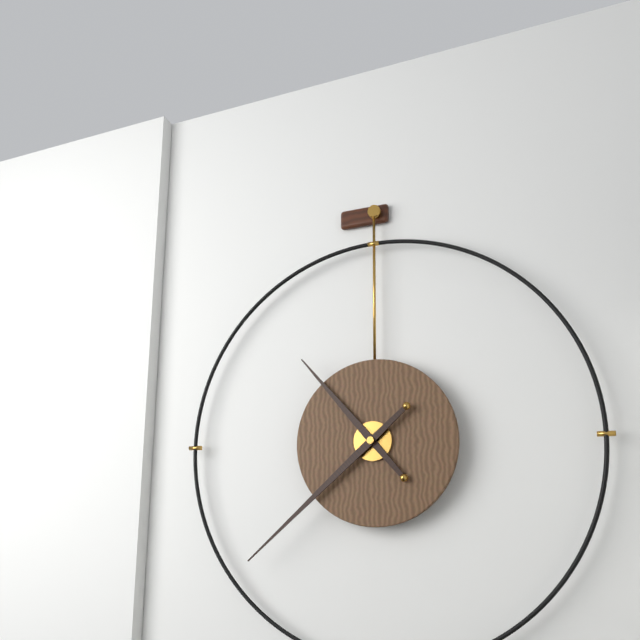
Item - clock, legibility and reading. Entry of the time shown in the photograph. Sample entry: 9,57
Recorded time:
10,38
